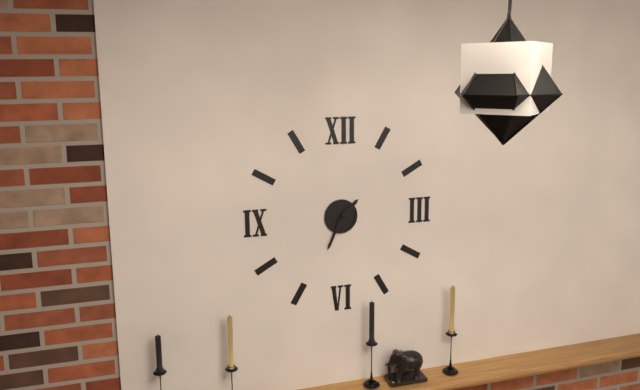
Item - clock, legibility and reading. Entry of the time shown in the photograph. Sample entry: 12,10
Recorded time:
1,34
